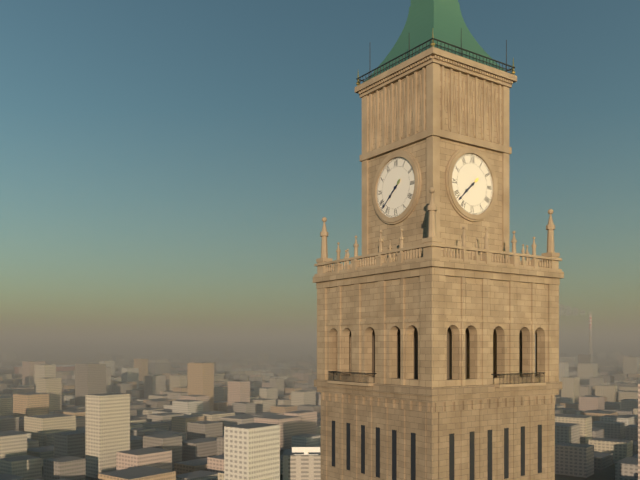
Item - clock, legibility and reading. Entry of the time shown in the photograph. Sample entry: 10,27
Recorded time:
7,38
